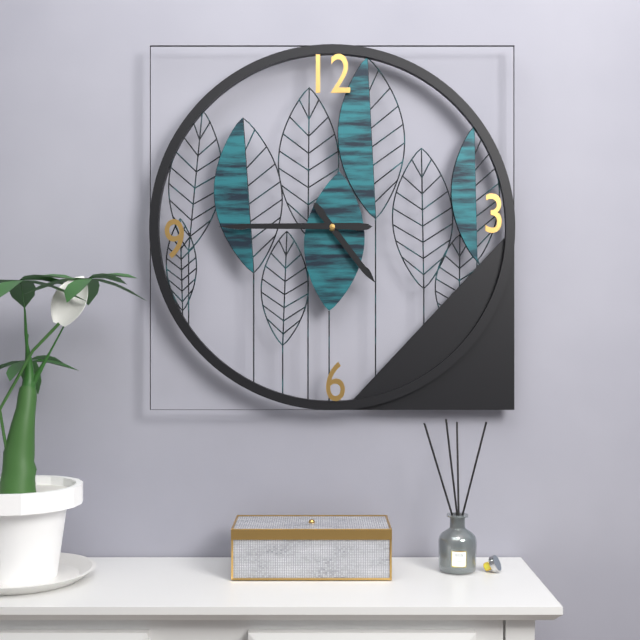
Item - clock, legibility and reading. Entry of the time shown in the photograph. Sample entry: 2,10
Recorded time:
4,45
